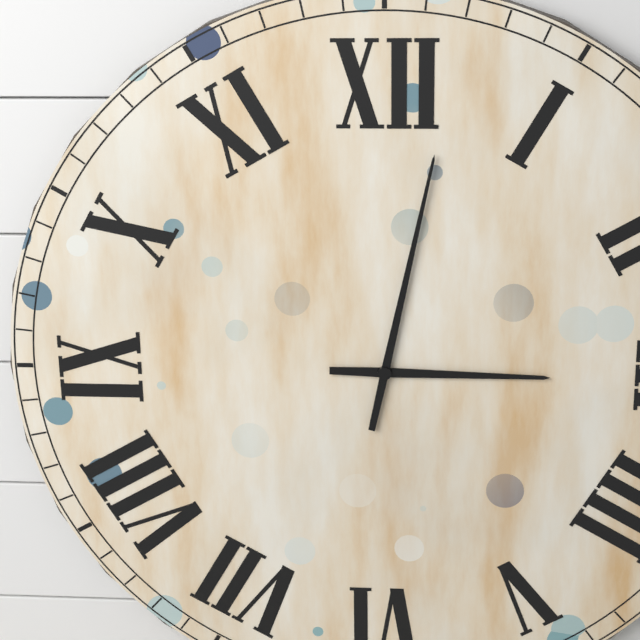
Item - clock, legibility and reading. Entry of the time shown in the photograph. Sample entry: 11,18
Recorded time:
3,02
